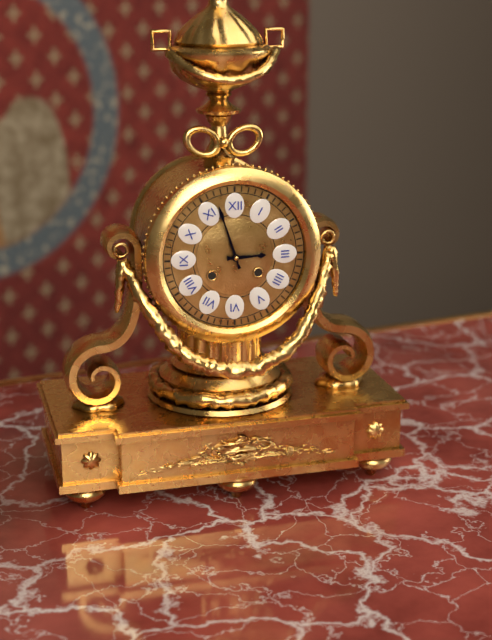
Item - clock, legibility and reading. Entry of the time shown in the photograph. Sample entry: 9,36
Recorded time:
2,57
